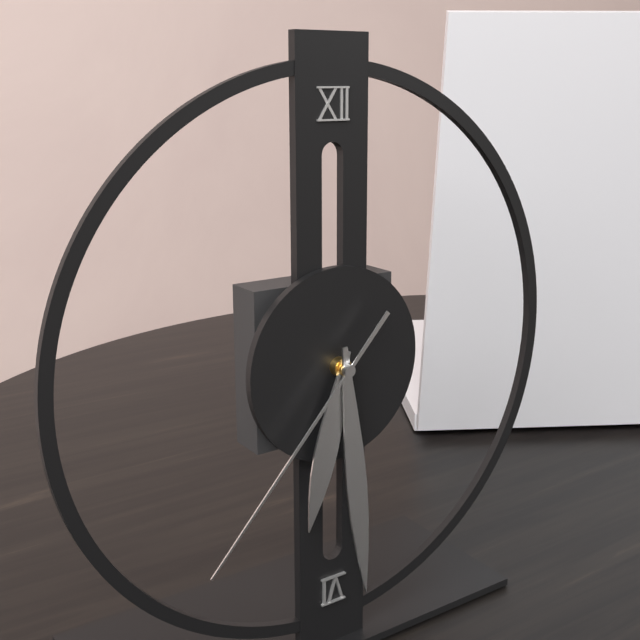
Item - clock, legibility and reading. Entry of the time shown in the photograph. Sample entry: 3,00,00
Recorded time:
6,29,37
